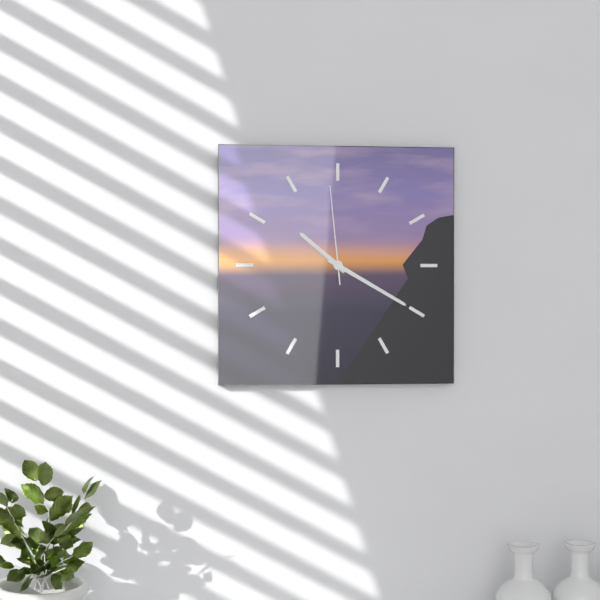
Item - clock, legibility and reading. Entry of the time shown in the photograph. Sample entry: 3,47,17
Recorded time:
10,20,59
